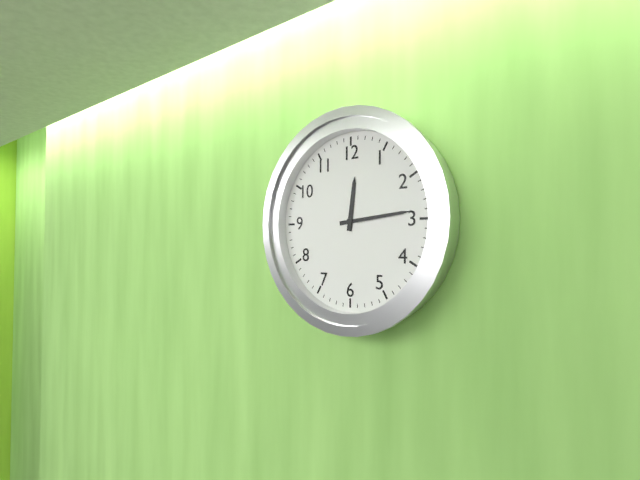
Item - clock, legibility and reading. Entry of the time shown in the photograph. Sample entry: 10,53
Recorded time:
12,14
